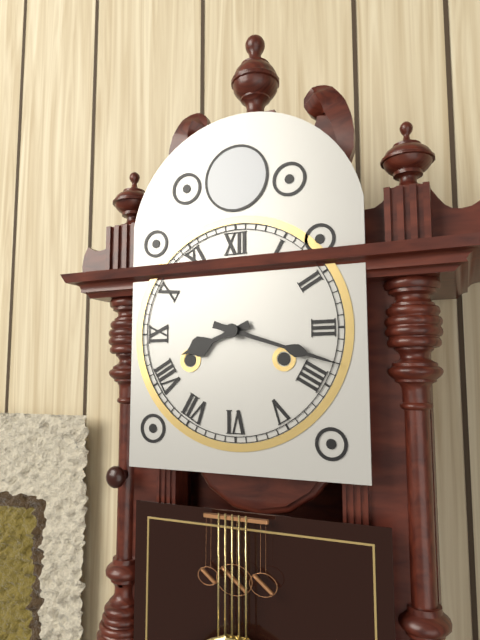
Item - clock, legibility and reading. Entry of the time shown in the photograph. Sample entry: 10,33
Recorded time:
8,18
